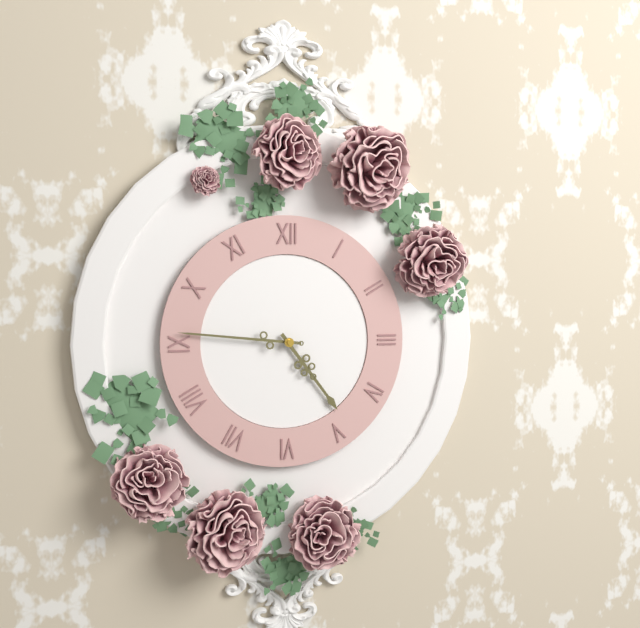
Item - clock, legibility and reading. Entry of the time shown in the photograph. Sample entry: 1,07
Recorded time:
4,46
